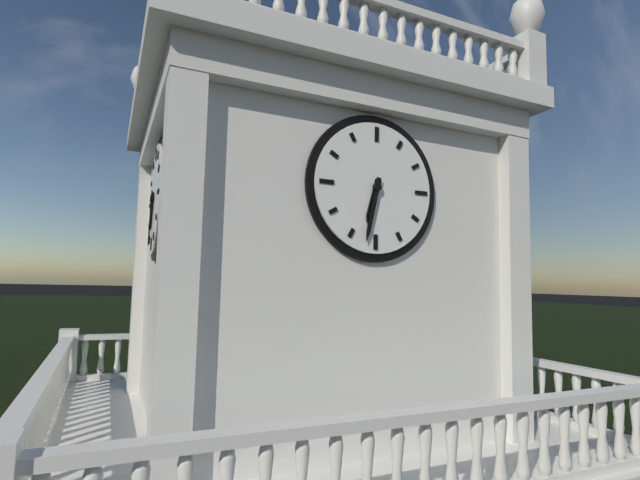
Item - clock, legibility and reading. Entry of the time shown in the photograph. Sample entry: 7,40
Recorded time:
6,32
